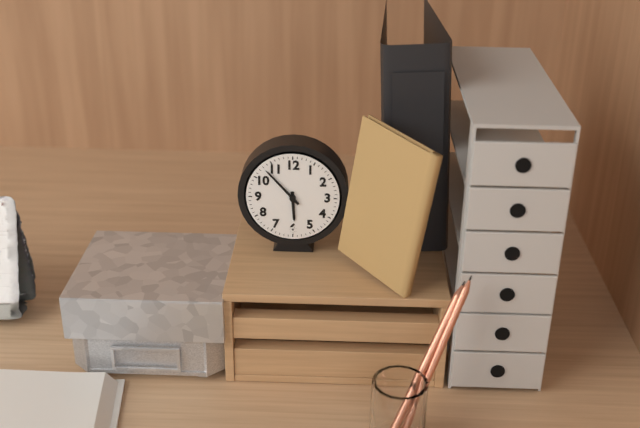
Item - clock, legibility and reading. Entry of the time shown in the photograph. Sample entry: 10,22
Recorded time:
5,53
